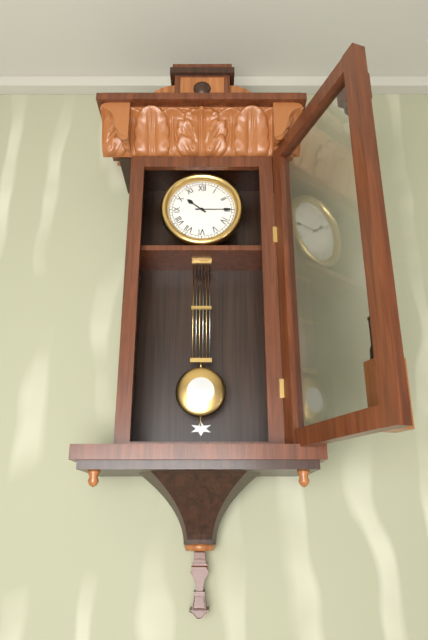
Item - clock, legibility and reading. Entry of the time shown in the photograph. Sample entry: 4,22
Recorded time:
10,15
